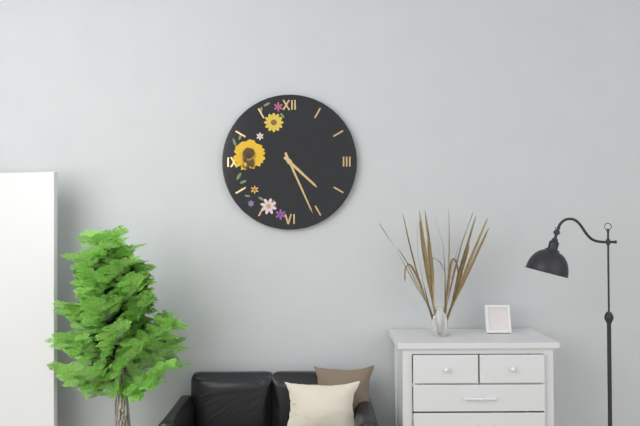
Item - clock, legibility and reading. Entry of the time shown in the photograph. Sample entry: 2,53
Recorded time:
4,26
